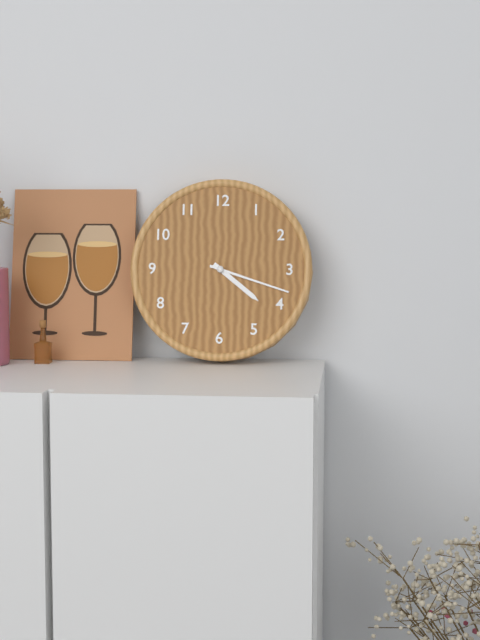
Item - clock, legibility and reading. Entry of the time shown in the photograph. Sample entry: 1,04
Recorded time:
4,18
